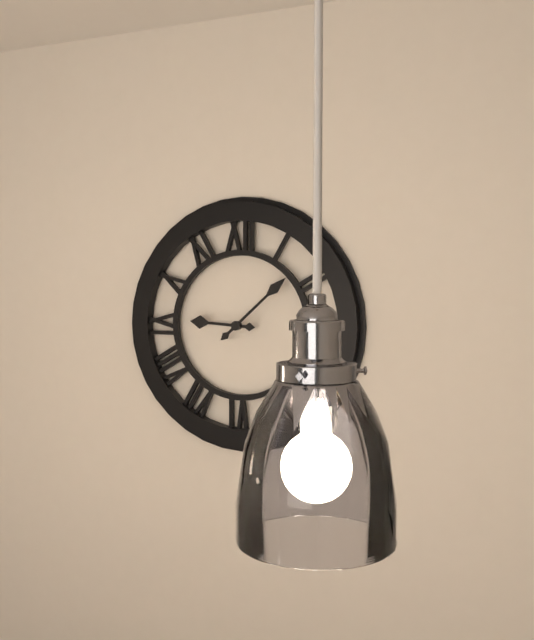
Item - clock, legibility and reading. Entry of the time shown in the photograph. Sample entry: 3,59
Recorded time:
9,08
